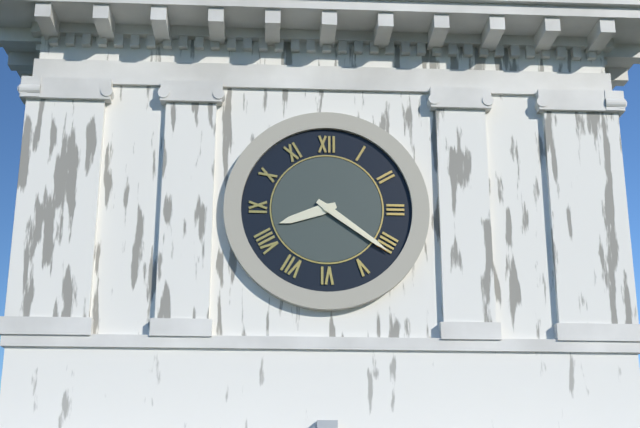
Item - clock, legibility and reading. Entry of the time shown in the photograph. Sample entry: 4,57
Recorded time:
8,21
